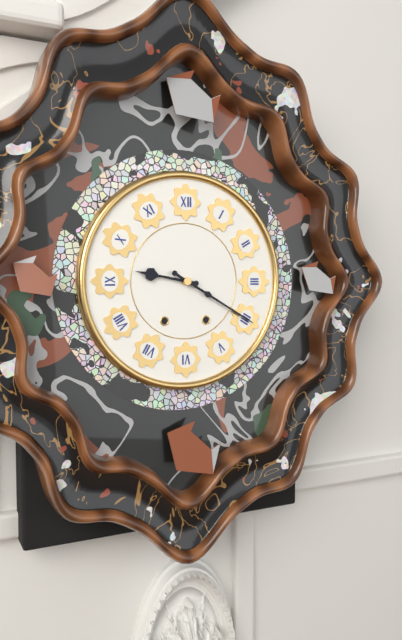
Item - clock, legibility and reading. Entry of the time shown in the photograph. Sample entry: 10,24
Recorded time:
9,20
